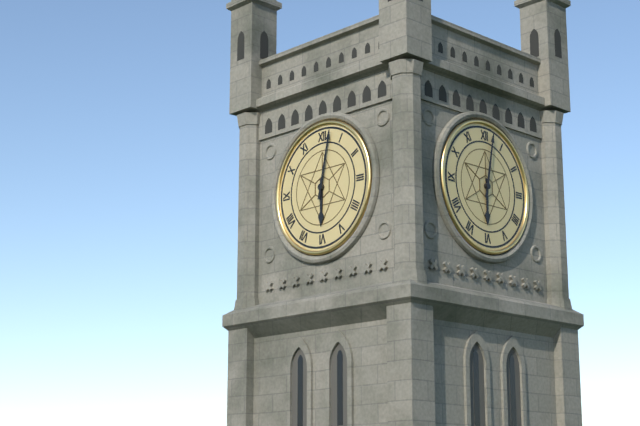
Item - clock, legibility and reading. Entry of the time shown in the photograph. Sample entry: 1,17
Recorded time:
6,02
